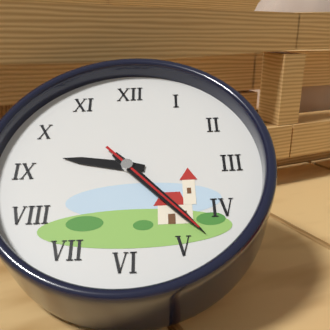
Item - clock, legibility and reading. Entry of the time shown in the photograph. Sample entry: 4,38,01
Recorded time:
9,23,23
